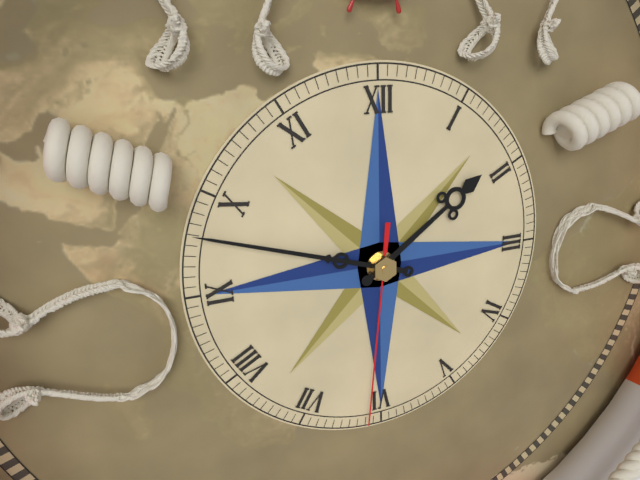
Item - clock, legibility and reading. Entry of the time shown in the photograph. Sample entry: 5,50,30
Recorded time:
1,48,31
